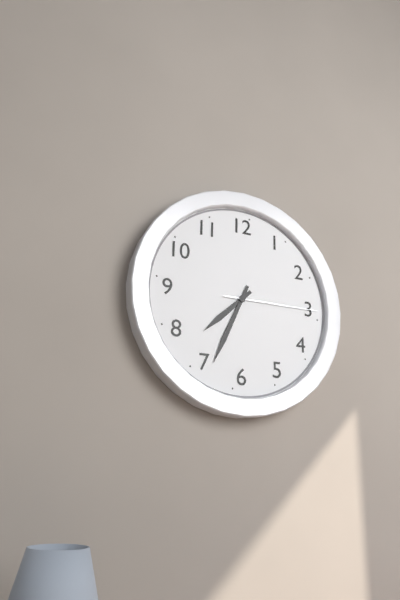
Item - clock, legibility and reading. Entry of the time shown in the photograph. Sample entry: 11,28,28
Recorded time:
7,34,15
